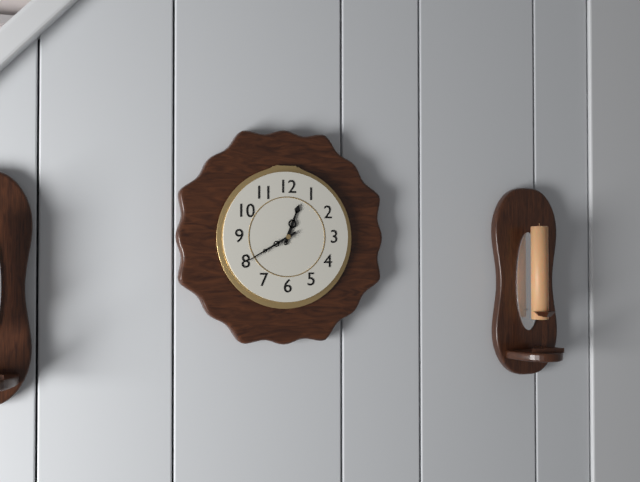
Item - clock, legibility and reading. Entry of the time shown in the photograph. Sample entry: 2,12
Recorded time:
12,40
